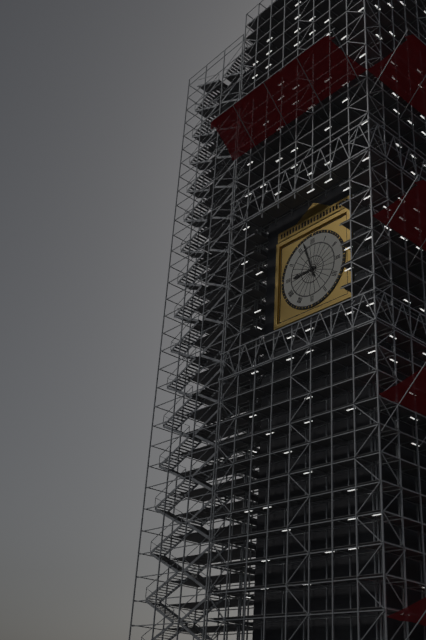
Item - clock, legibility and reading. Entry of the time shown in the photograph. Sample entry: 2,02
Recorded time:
8,57
